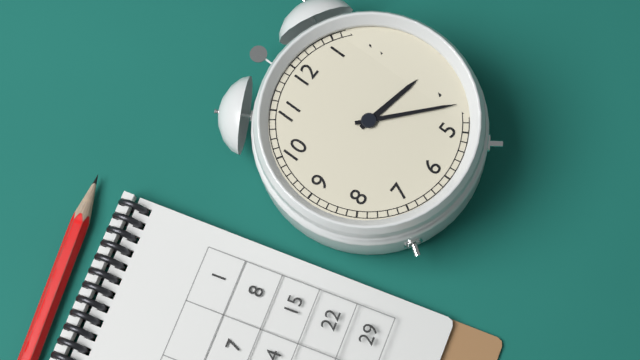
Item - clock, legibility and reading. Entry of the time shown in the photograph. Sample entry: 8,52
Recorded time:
3,22
